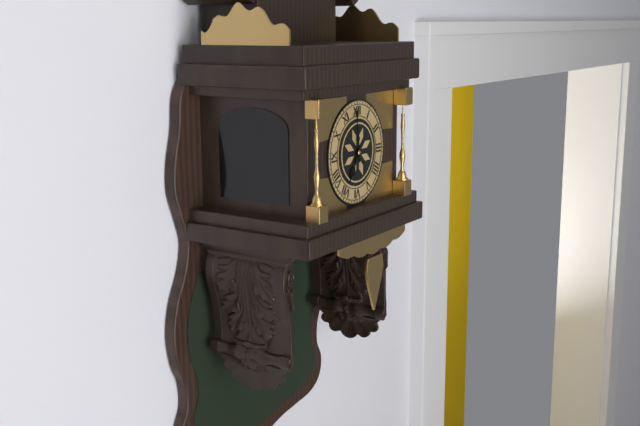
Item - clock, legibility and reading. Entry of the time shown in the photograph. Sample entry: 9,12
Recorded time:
6,59
